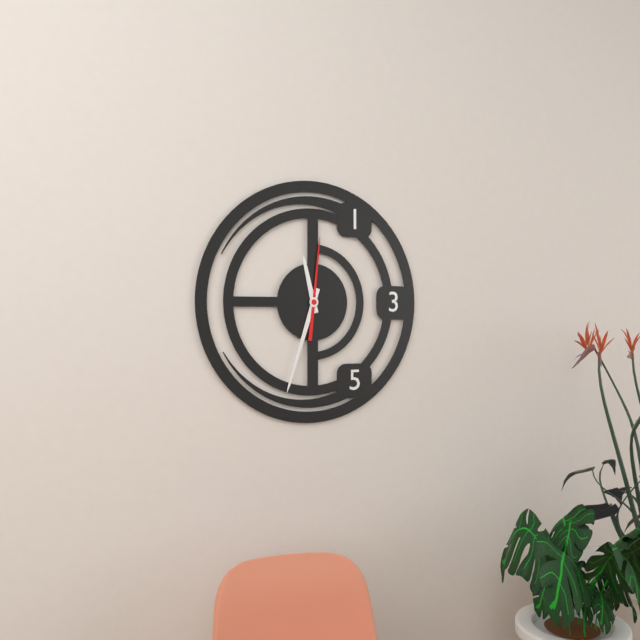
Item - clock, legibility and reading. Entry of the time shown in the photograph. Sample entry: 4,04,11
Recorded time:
11,33,01
